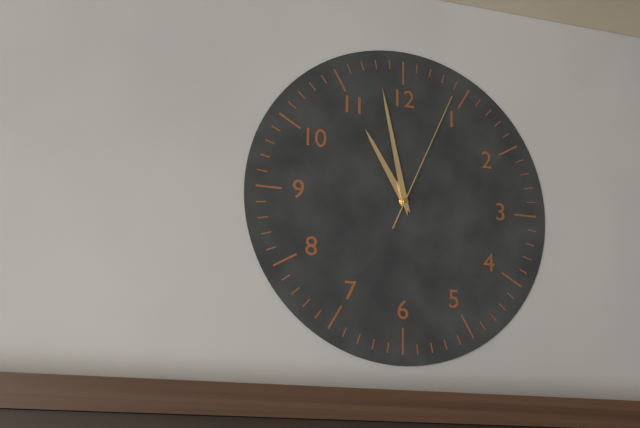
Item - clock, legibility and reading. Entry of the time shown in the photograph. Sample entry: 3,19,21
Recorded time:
10,58,04
